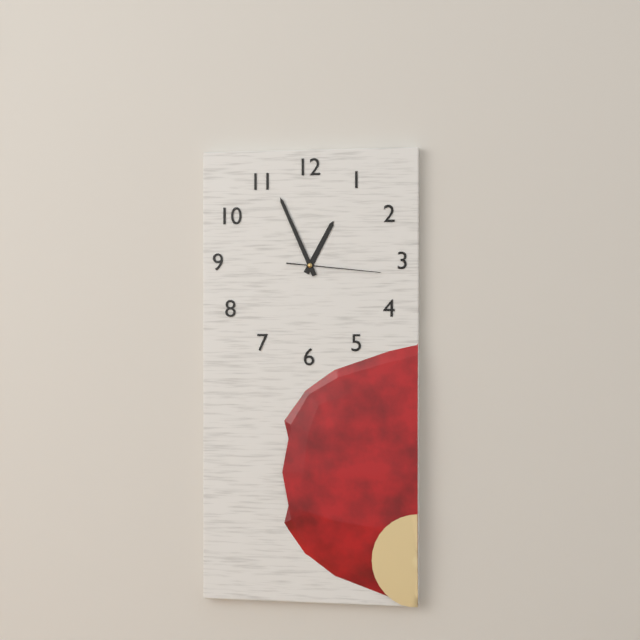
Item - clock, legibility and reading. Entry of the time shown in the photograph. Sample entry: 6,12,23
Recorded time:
12,56,16
